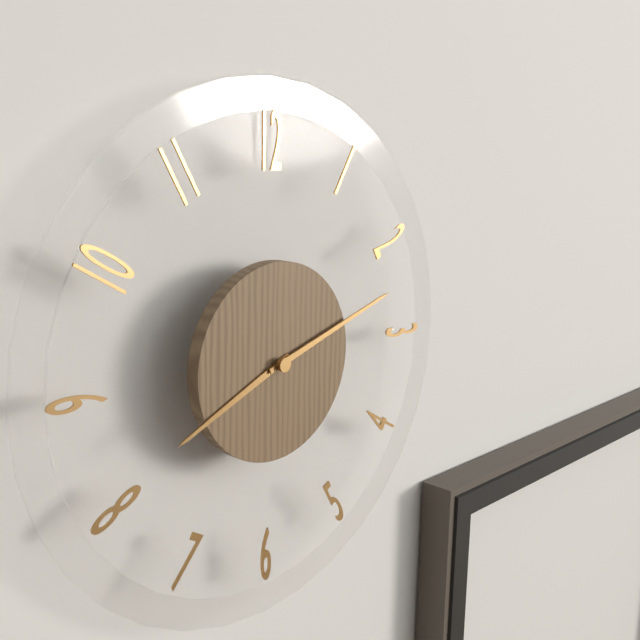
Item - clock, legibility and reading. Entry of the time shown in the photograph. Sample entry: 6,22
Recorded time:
8,12
